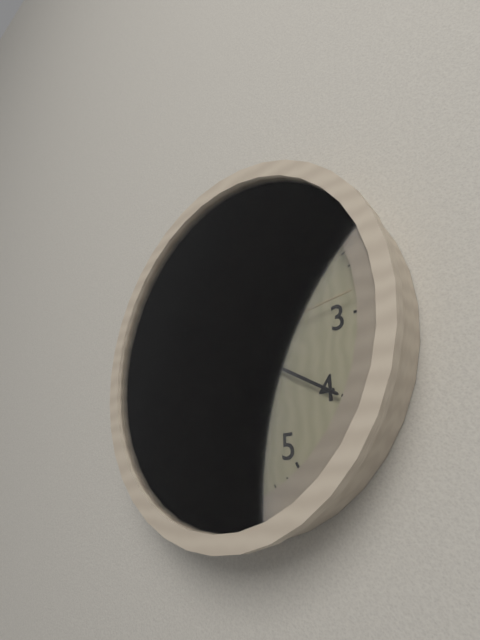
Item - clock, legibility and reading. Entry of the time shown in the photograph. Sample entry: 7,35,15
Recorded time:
5,20,14
